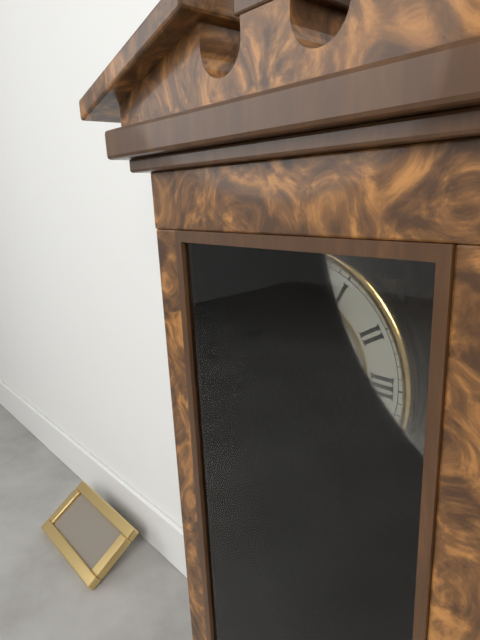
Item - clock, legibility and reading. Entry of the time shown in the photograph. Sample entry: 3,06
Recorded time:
1,30
